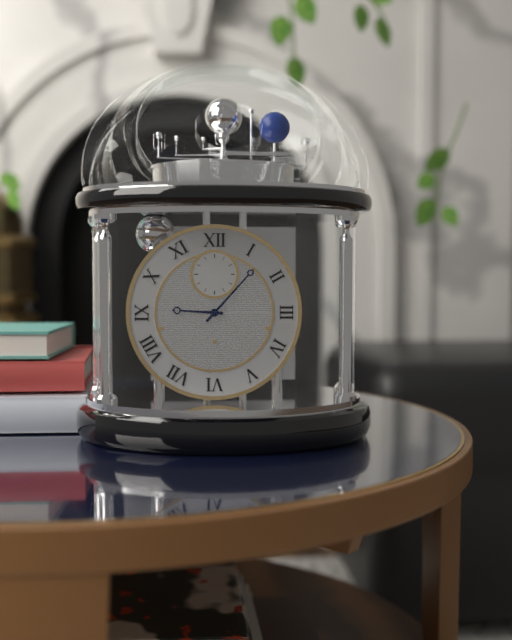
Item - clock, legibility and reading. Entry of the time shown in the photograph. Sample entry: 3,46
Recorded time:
9,07
